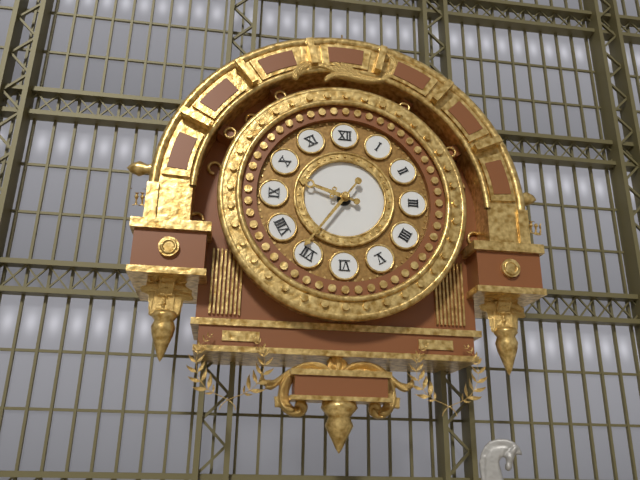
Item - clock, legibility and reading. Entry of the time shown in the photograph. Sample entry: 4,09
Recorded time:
9,36
